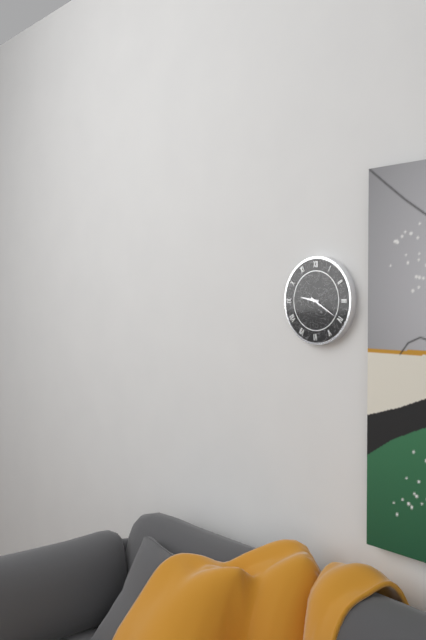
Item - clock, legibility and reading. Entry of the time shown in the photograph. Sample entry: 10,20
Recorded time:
9,20
